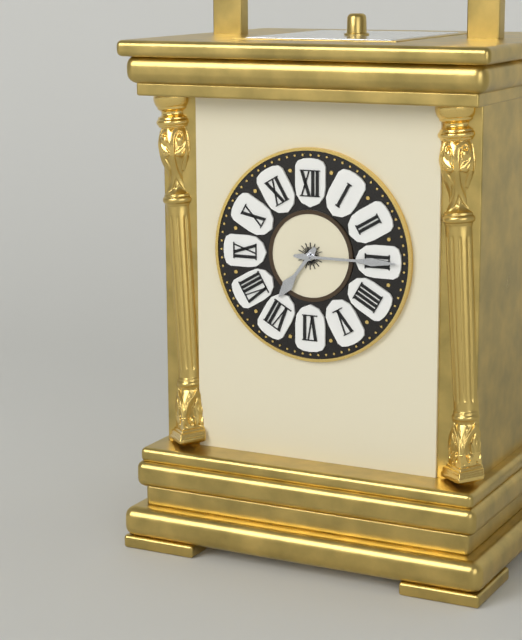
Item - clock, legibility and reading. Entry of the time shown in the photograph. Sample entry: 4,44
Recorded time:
7,15
